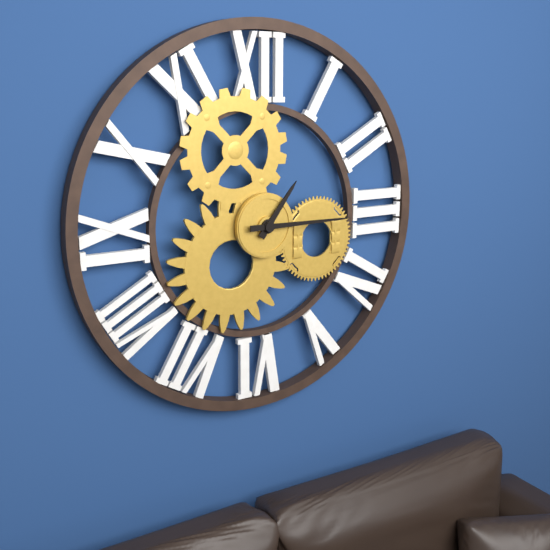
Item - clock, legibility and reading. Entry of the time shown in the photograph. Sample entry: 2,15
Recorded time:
1,15
